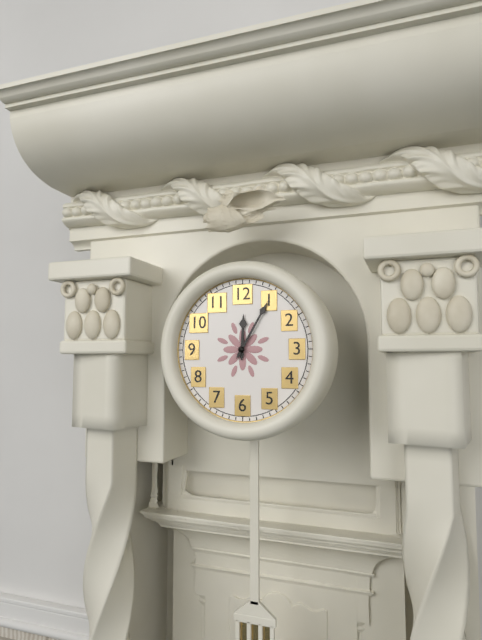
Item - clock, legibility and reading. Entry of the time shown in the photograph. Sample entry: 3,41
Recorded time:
12,05
